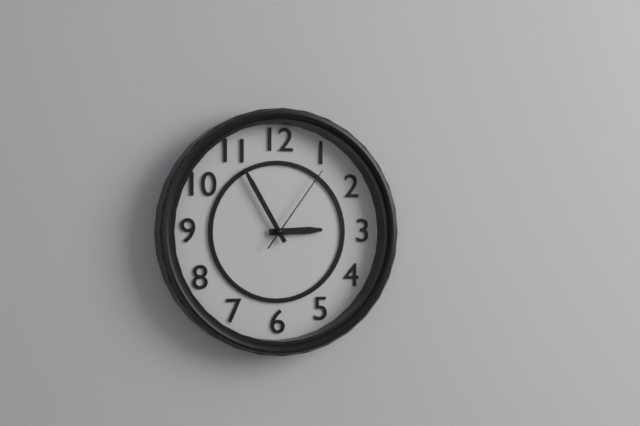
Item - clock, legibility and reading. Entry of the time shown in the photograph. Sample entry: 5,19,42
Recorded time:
2,55,06
